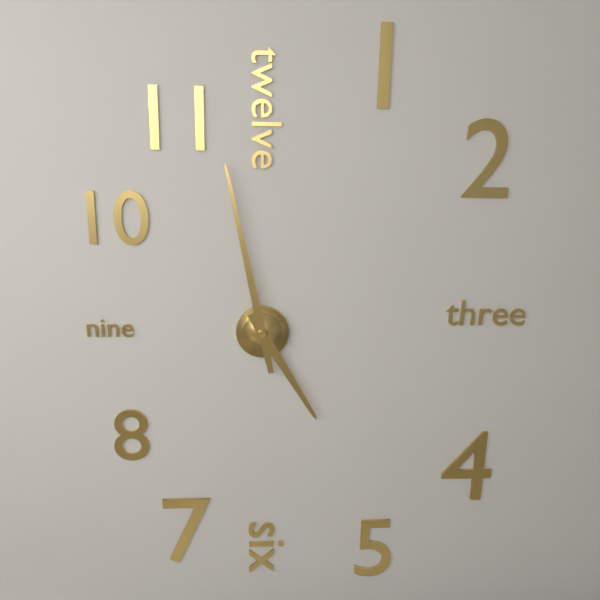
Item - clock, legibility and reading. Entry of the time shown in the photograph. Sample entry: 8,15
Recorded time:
4,58
